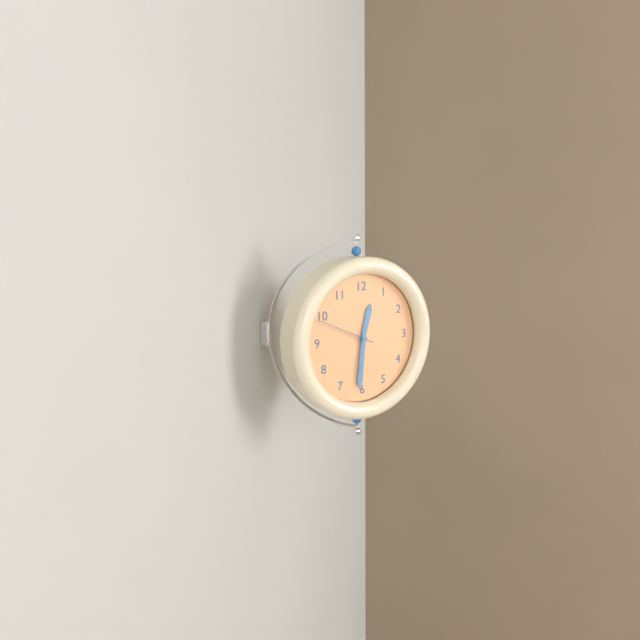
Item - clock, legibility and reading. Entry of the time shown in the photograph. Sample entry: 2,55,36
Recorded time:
12,31,49
